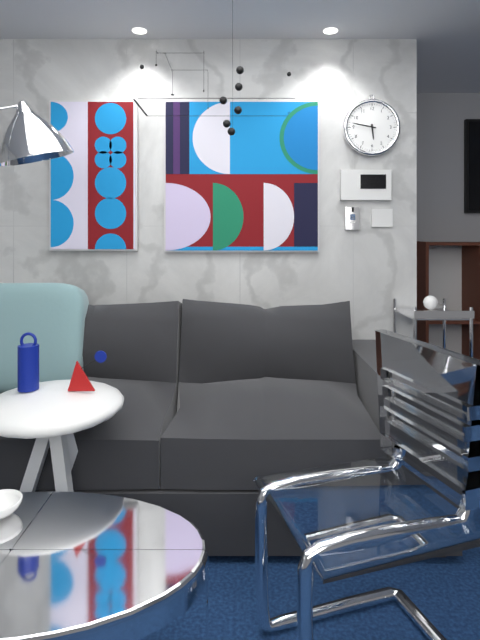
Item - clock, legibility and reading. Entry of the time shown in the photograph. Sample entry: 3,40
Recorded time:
5,47
